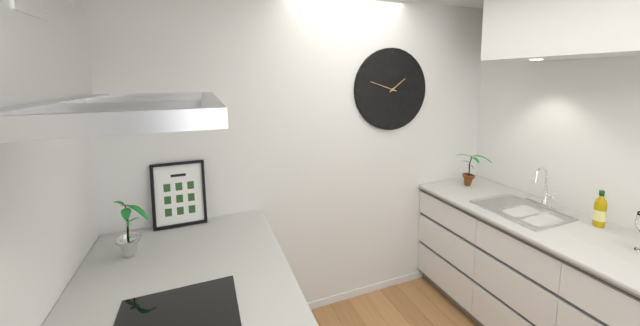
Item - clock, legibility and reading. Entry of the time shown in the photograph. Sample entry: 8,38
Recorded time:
1,48
